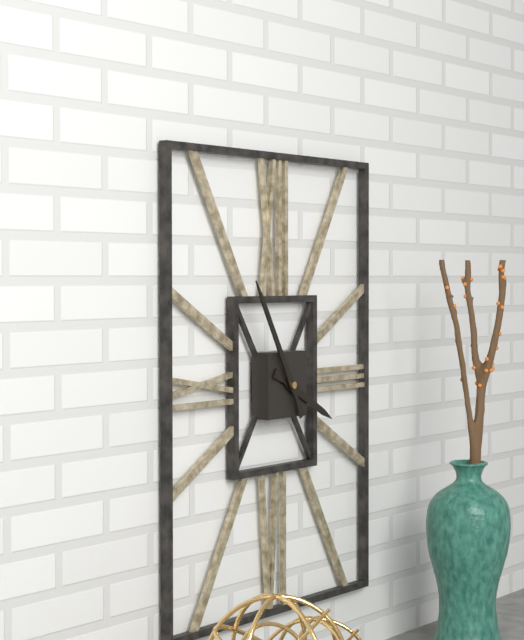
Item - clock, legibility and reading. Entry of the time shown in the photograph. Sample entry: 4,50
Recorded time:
3,55
